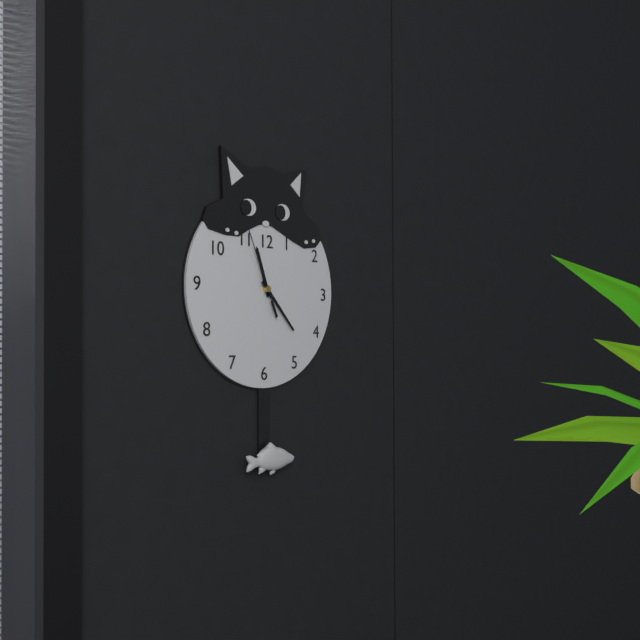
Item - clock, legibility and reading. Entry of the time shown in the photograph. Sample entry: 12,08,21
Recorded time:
11,23,56
